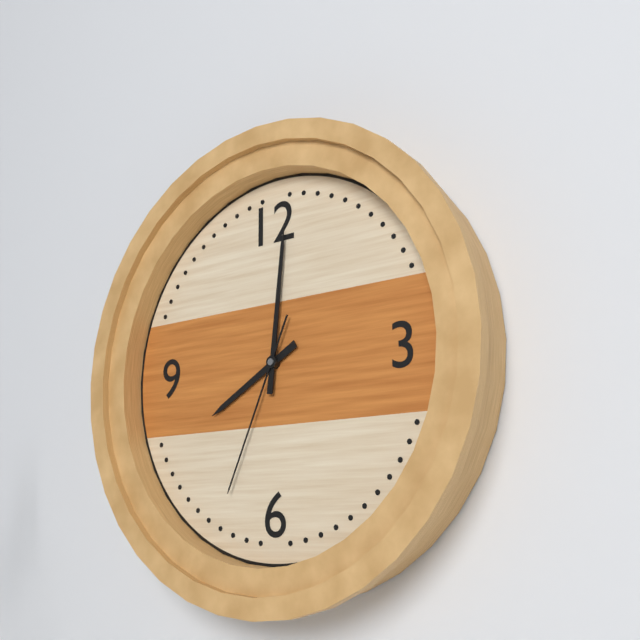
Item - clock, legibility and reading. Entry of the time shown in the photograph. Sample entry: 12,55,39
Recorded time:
8,01,34
